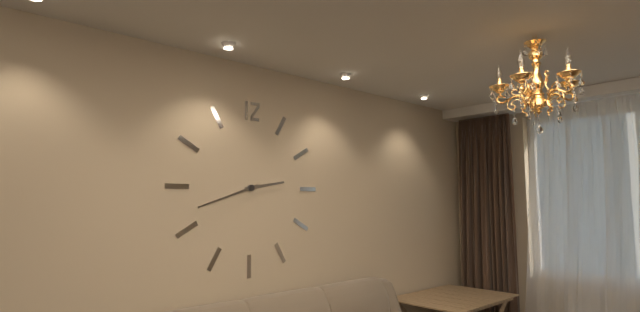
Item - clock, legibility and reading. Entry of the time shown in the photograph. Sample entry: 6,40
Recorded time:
2,42
